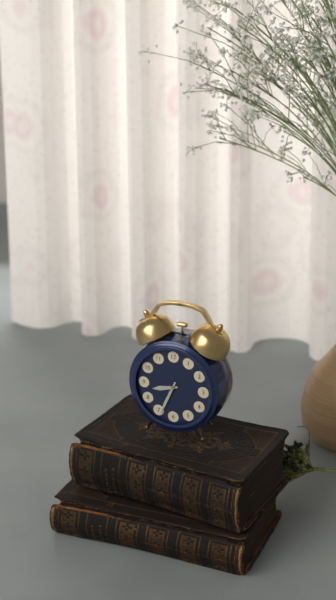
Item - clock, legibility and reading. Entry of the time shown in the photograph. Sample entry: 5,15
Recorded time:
8,34
